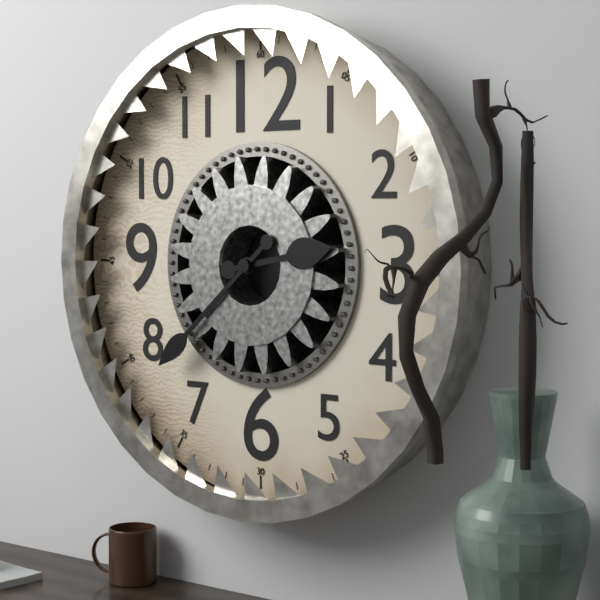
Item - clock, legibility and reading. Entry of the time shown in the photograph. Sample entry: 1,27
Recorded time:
2,38
